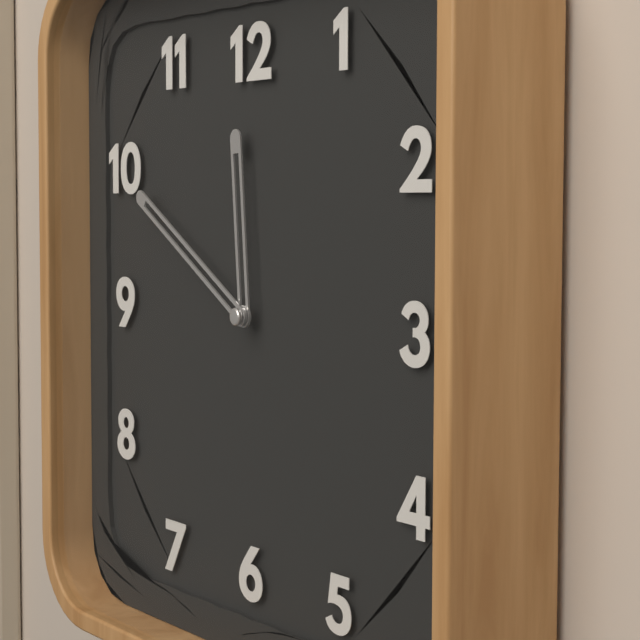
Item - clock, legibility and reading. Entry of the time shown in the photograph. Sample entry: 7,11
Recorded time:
11,50
